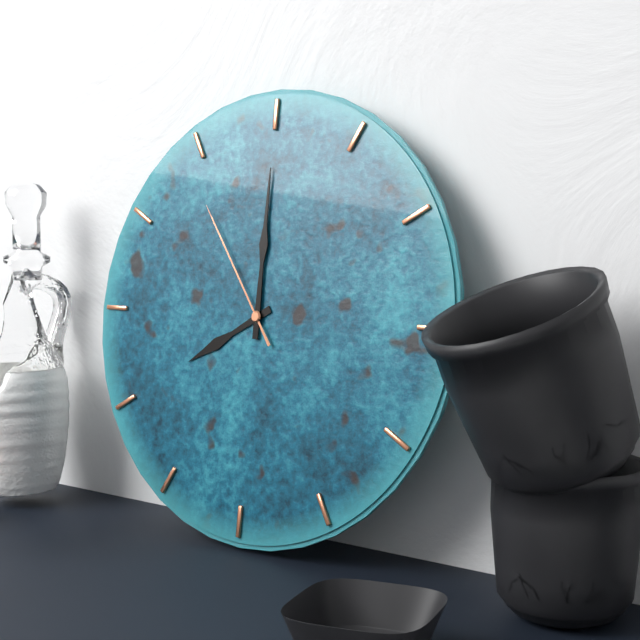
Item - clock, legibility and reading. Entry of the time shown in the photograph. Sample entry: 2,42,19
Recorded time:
8,00,54
